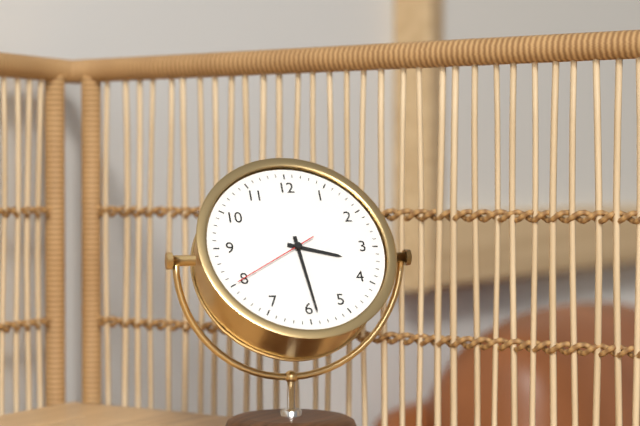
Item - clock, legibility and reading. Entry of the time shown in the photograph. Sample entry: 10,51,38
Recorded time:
3,29,40
